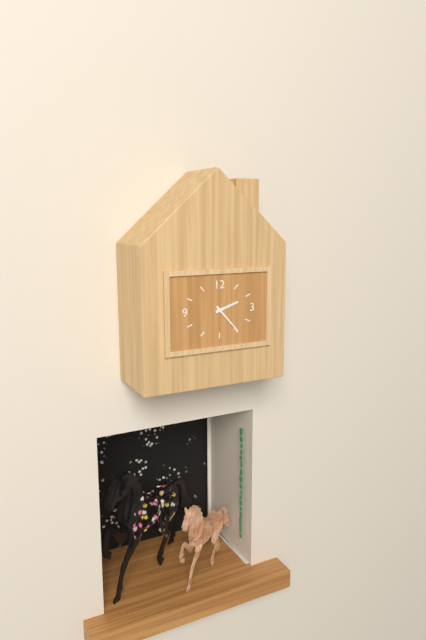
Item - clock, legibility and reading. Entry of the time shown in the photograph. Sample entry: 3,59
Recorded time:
2,23
